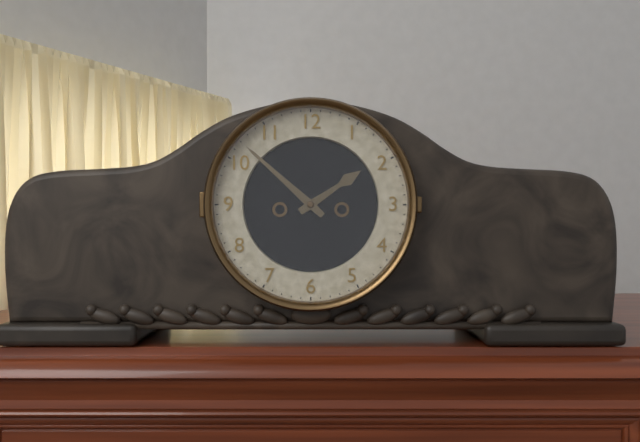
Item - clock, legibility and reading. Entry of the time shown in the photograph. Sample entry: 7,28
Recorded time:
1,52
